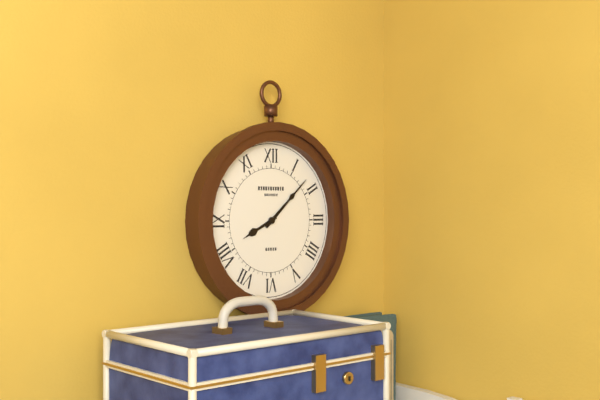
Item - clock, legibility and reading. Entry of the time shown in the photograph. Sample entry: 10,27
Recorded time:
8,08
